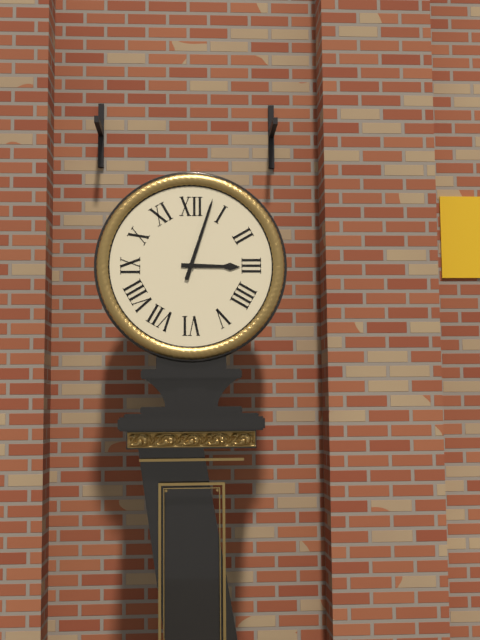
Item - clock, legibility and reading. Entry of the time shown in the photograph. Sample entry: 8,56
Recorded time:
3,03
